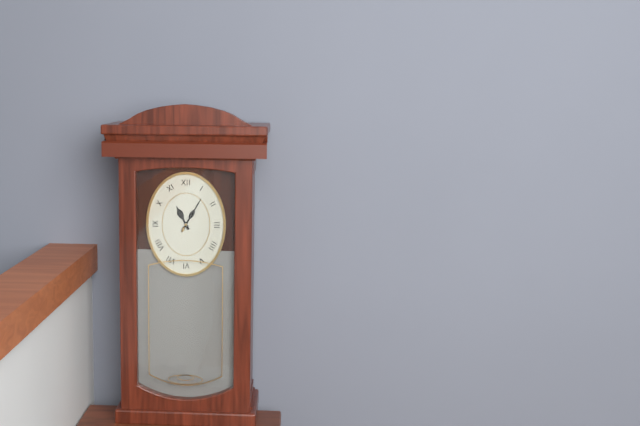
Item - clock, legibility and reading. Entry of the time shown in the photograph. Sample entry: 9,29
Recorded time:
11,05
